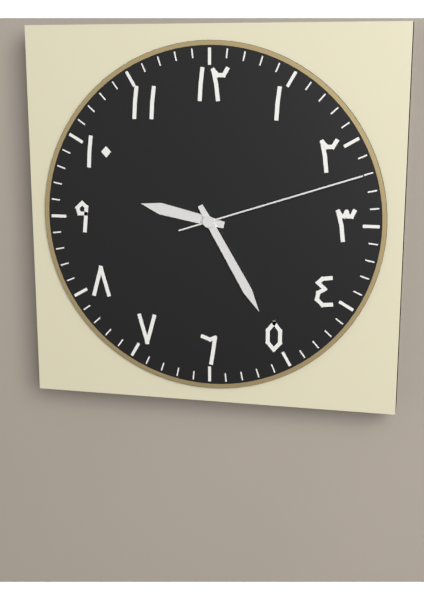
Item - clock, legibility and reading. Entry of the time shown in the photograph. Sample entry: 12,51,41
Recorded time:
9,25,12
